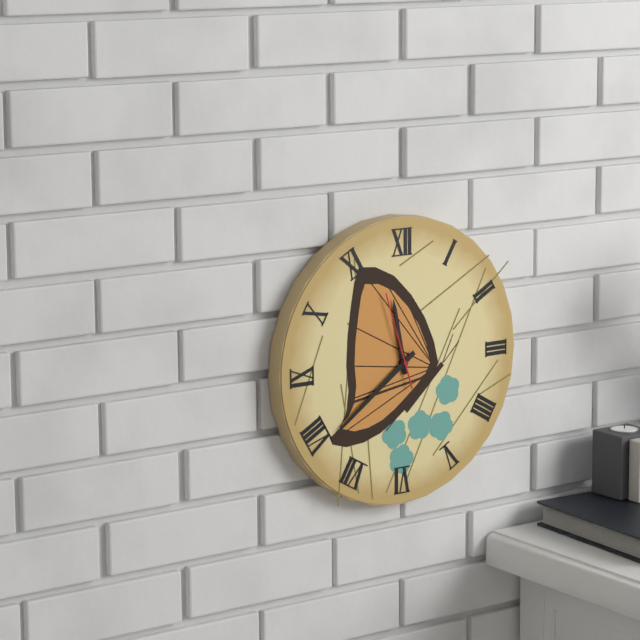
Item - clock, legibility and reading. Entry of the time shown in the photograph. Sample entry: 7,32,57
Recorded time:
11,39,57
